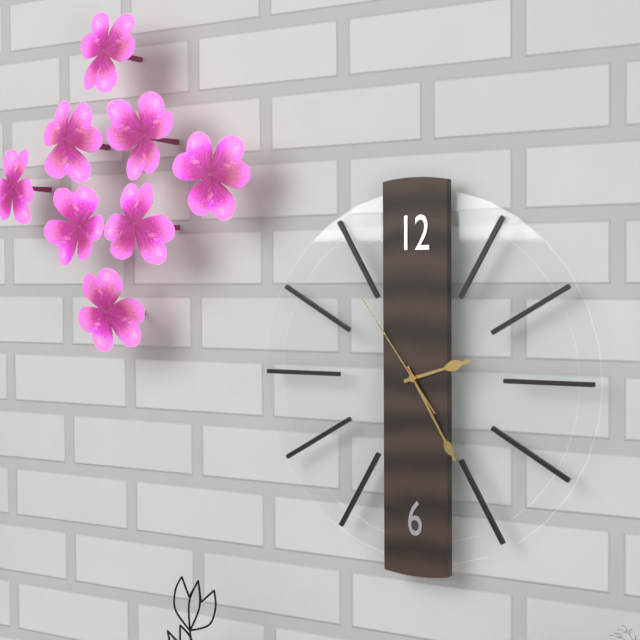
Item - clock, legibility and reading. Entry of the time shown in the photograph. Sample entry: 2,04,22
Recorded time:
2,25,54
